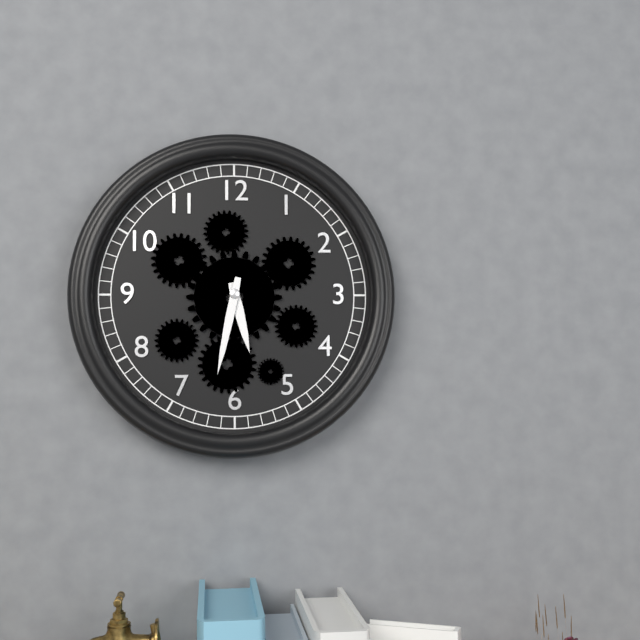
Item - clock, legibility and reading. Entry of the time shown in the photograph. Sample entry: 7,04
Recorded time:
5,32
